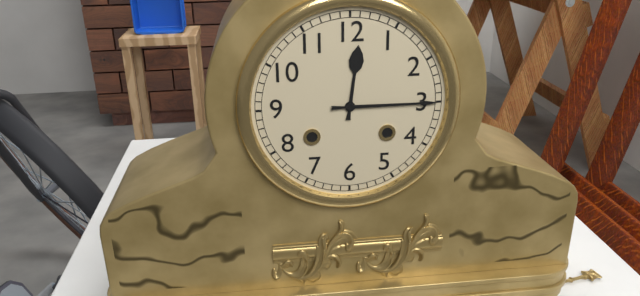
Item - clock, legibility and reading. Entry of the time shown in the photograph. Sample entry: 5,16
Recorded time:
12,15
